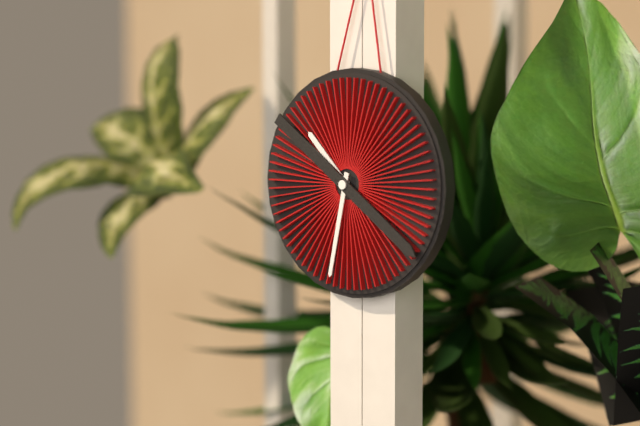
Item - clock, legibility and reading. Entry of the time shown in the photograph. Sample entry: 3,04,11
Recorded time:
10,32,21
